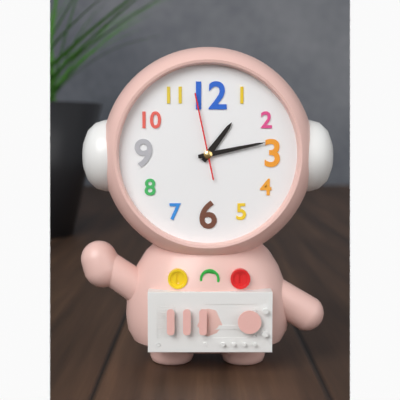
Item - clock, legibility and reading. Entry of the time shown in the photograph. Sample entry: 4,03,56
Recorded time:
1,13,58
